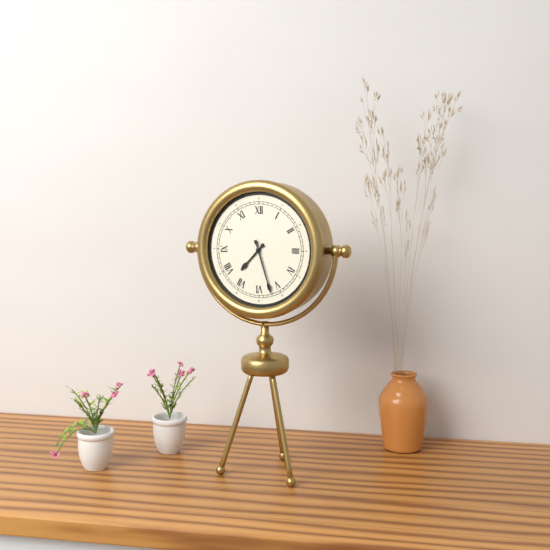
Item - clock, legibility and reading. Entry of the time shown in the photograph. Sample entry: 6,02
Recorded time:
7,27
